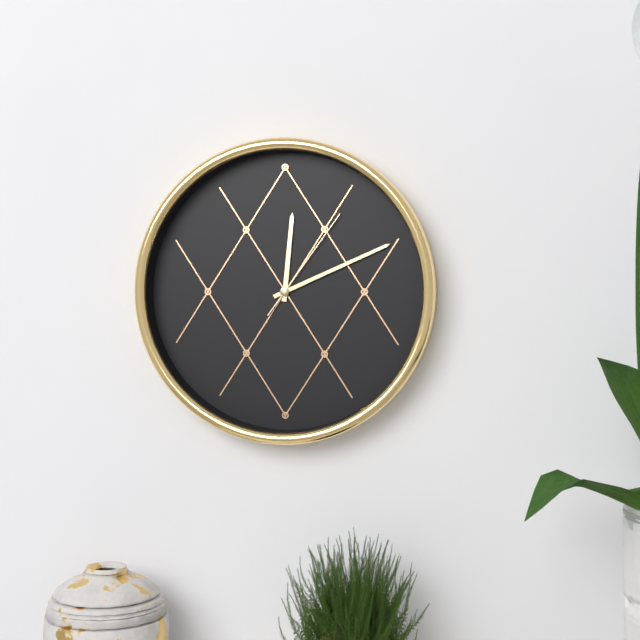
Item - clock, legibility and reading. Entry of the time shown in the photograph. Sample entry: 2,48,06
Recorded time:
12,11,06
